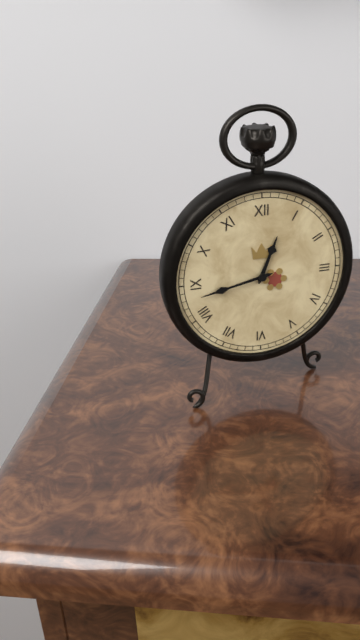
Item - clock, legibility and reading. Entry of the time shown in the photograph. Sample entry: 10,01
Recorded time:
12,43
